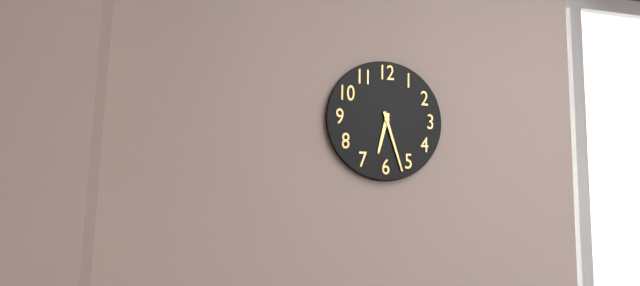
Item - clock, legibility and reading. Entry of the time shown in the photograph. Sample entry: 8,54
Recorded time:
6,27
